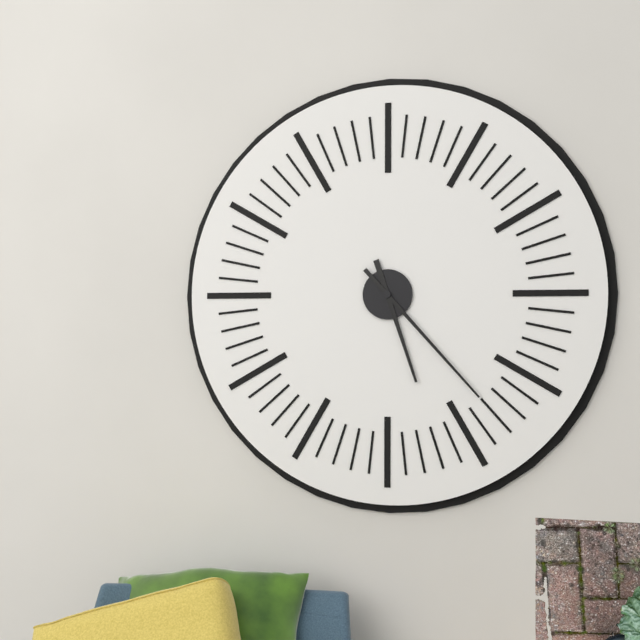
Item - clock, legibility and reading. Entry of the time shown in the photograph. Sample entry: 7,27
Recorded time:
5,23
